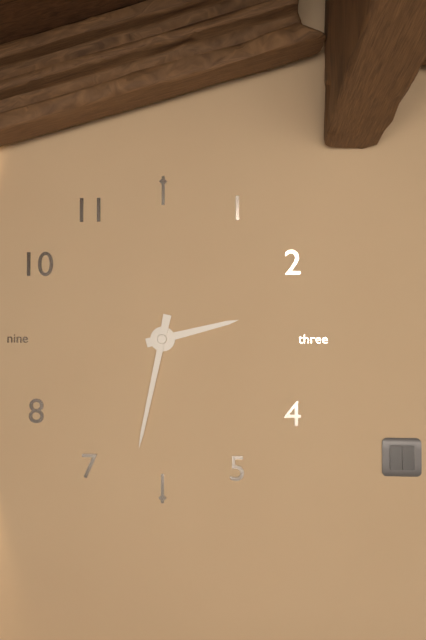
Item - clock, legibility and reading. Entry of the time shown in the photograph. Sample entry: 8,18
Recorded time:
2,32
